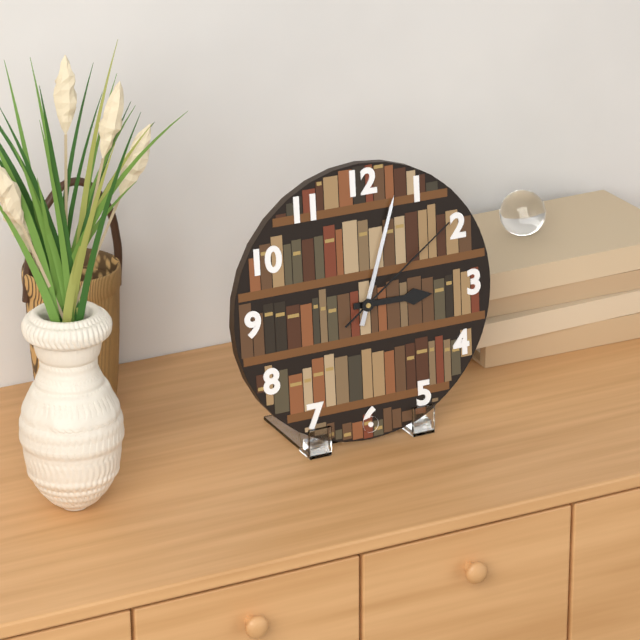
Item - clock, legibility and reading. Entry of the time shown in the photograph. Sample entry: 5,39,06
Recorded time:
3,03,09
